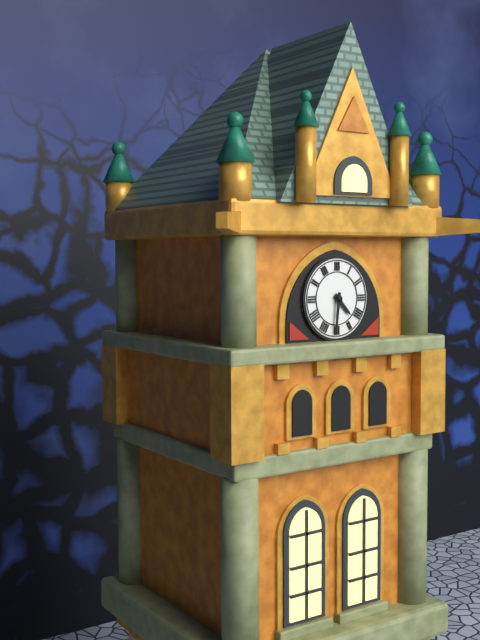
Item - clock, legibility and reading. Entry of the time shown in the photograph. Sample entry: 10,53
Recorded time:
4,31
